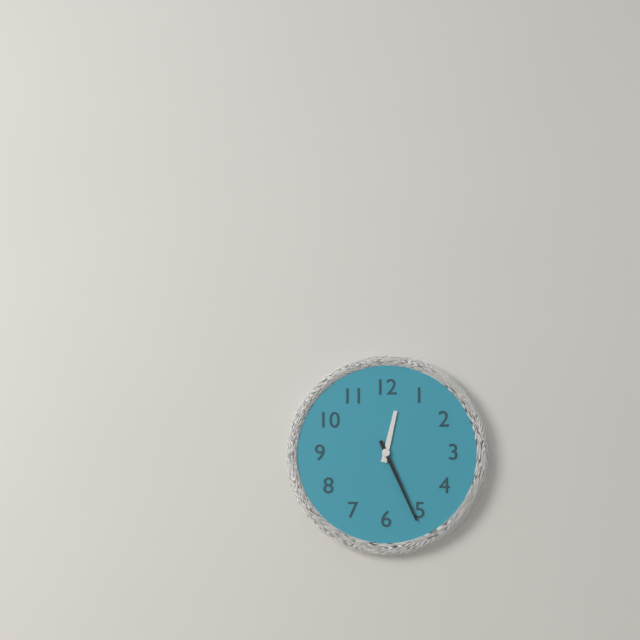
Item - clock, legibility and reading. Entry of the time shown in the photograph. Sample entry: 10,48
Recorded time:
12,26
